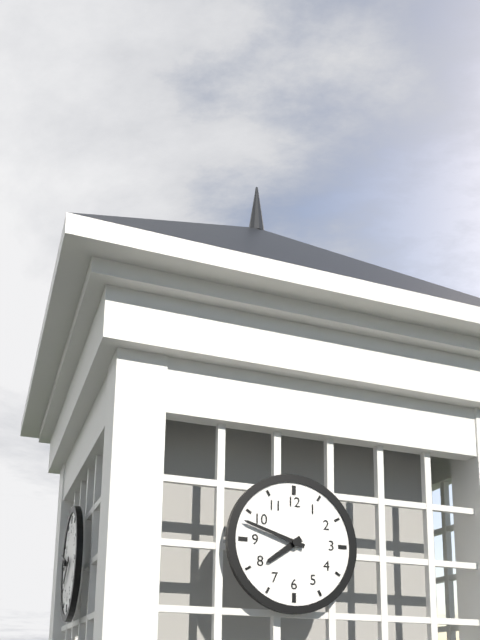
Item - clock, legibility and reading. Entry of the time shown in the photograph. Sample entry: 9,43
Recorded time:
7,48
